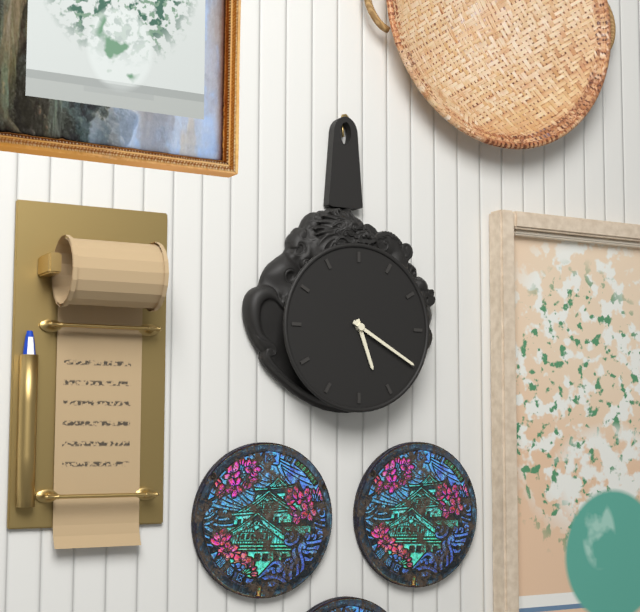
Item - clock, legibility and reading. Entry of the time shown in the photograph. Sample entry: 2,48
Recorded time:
5,20
